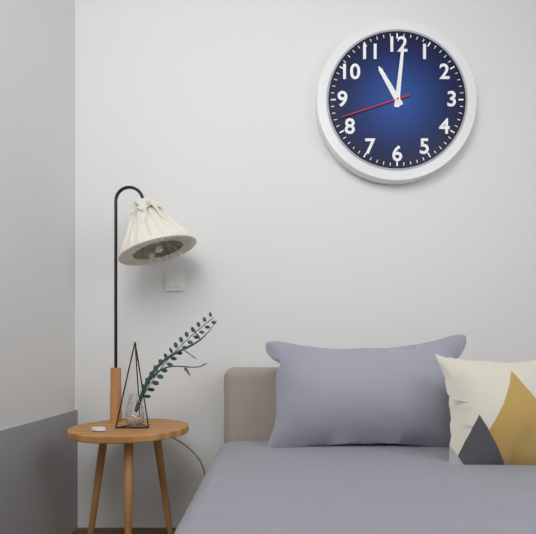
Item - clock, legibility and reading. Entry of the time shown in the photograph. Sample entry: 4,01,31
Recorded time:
11,01,42
